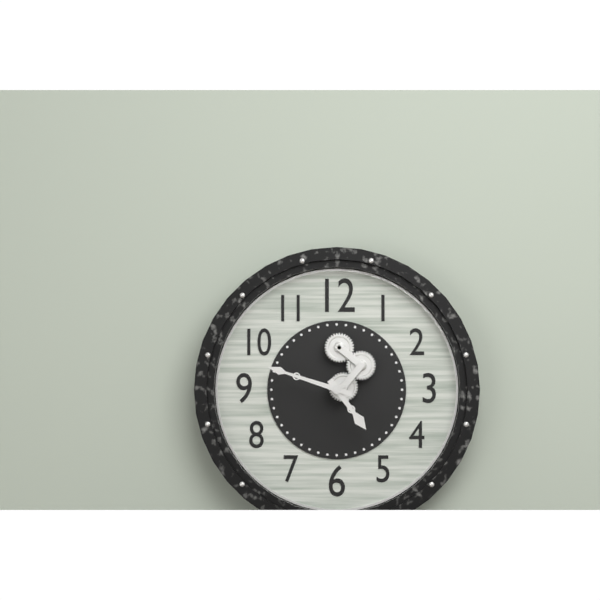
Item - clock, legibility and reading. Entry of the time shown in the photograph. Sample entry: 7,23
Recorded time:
4,48
